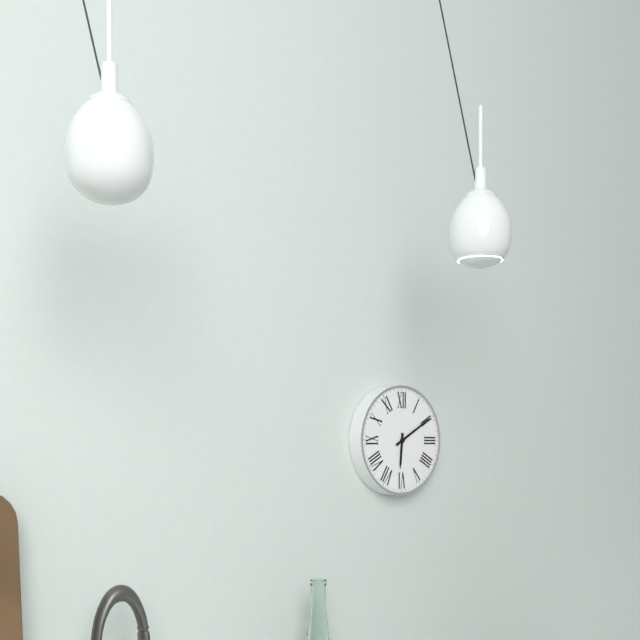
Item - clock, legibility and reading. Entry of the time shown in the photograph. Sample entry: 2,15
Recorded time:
6,10
